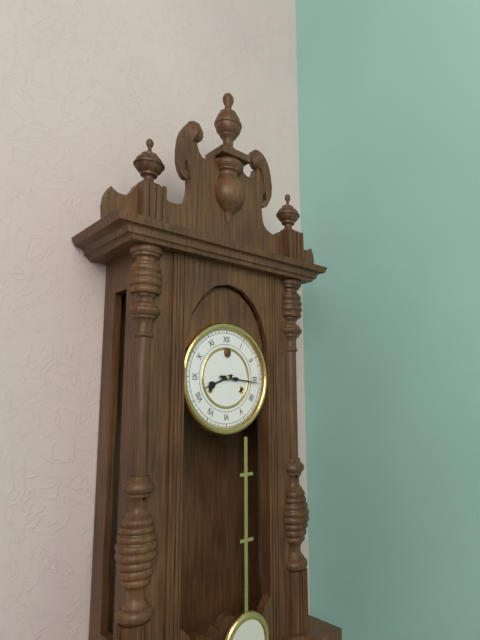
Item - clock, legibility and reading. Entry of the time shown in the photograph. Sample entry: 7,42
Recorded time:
8,16
